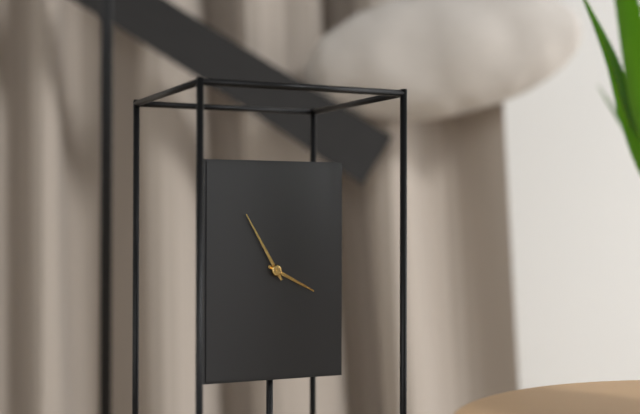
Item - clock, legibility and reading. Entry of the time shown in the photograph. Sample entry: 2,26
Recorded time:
3,55
